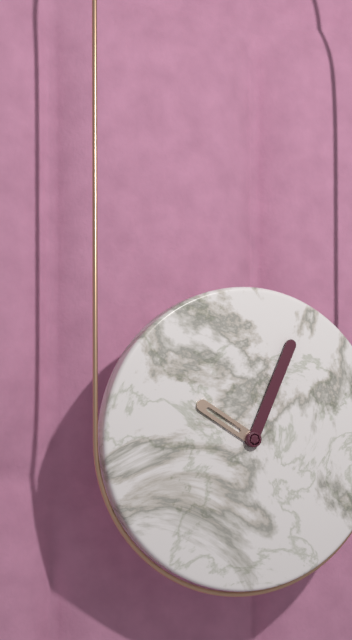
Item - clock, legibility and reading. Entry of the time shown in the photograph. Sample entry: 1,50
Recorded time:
10,04
